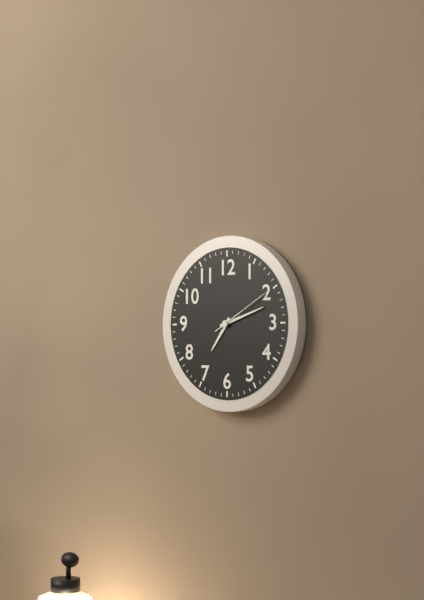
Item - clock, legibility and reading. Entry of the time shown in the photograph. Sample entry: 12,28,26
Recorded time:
7,12,10
